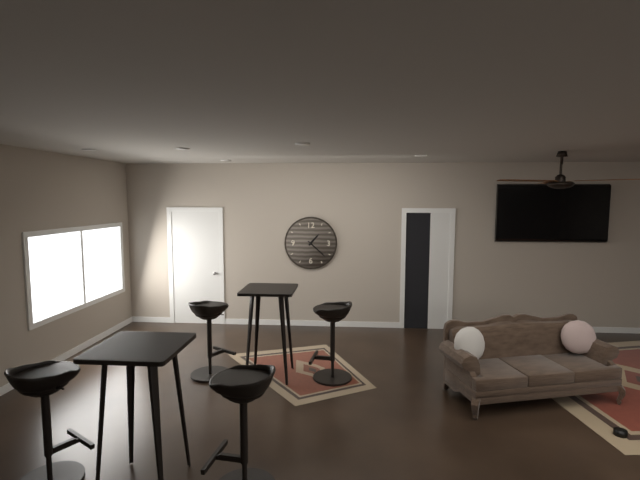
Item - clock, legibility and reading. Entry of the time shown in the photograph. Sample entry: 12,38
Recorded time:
1,22
